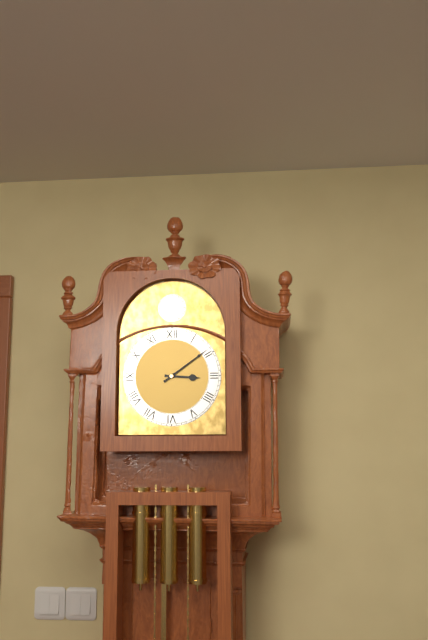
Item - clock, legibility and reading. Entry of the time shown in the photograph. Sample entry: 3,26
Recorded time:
3,09
